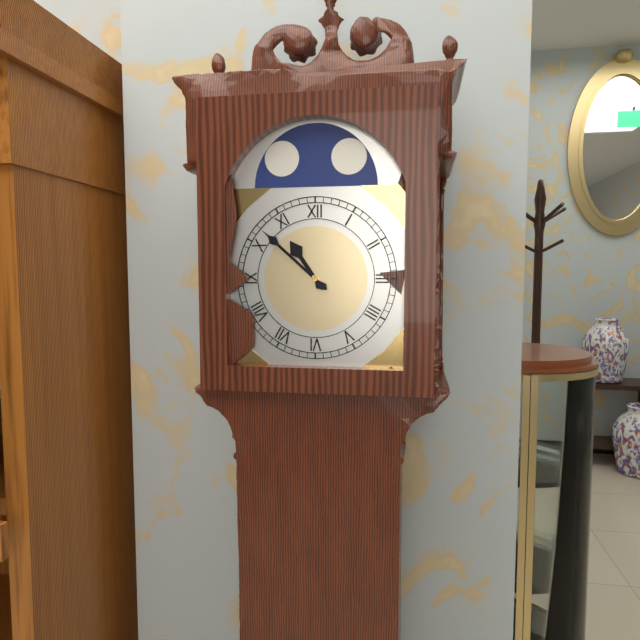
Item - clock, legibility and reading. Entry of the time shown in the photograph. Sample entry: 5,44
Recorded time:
10,52
